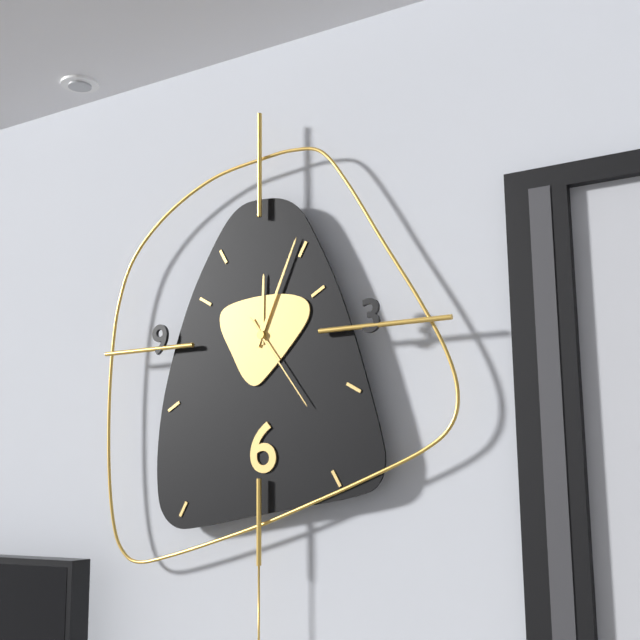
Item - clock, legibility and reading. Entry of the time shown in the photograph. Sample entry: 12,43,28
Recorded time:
12,04,24
